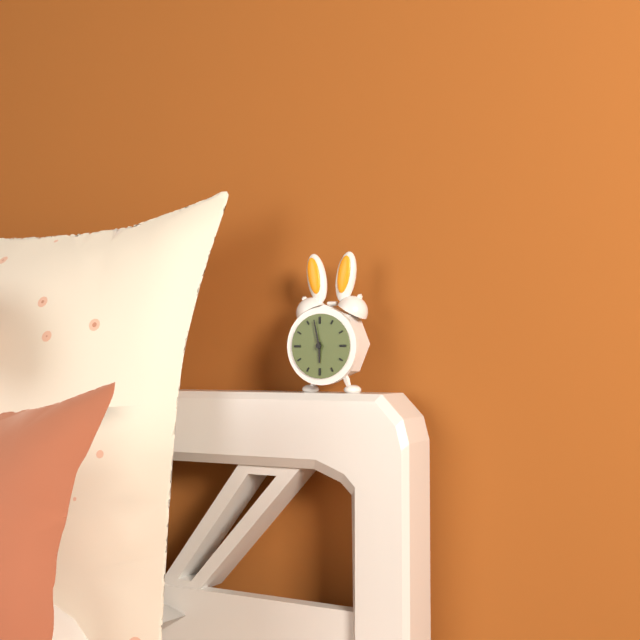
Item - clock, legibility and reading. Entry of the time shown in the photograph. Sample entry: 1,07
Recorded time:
5,58
